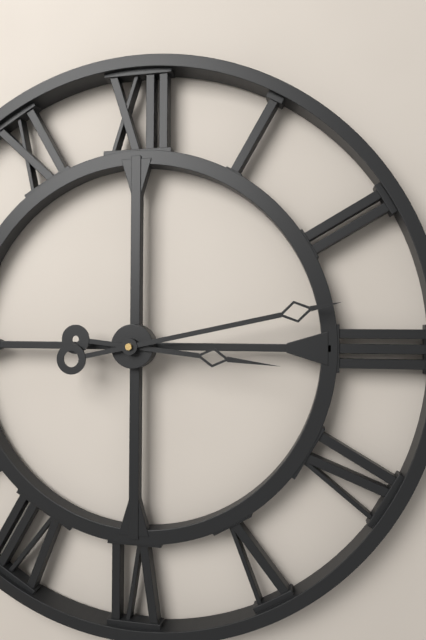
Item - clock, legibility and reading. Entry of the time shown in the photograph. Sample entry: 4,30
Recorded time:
3,13
